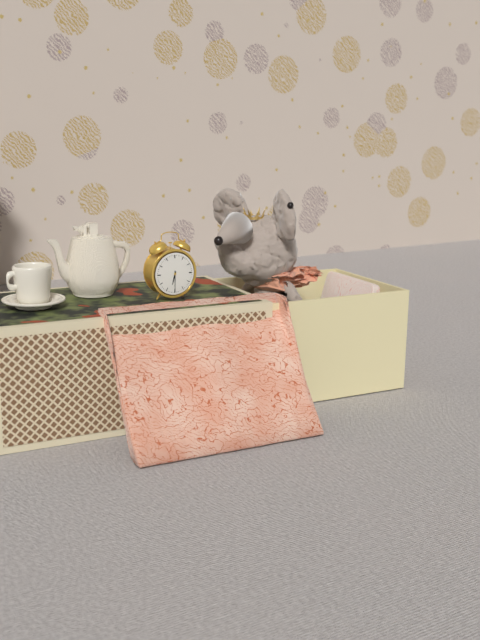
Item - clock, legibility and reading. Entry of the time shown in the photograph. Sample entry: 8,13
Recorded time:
6,30
